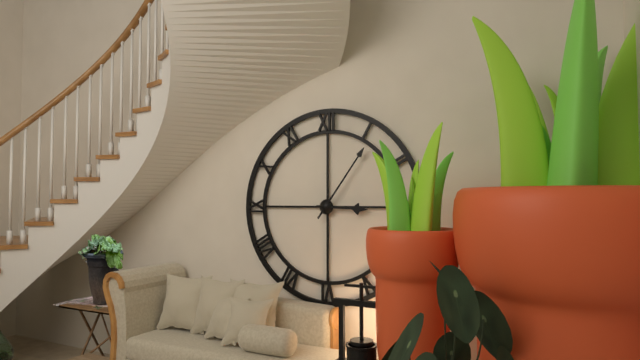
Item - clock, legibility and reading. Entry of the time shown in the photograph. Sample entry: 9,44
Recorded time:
3,06
